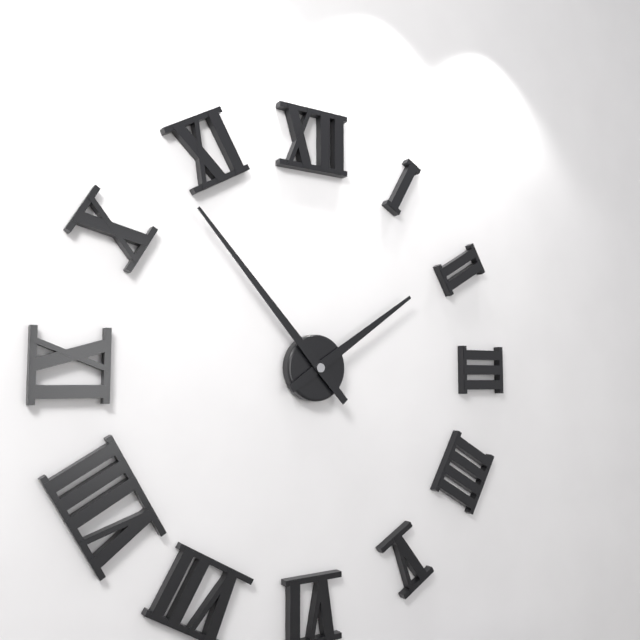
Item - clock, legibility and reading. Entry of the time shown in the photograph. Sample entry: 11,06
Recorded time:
1,53
